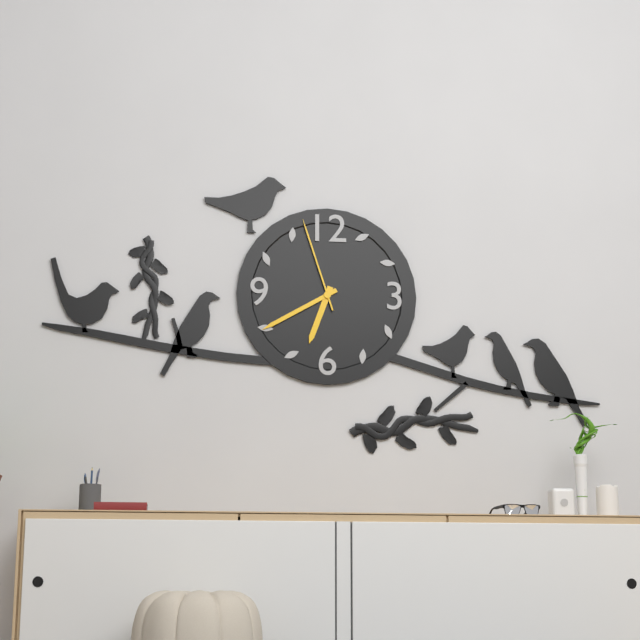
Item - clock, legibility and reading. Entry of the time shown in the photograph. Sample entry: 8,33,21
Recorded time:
6,40,57
